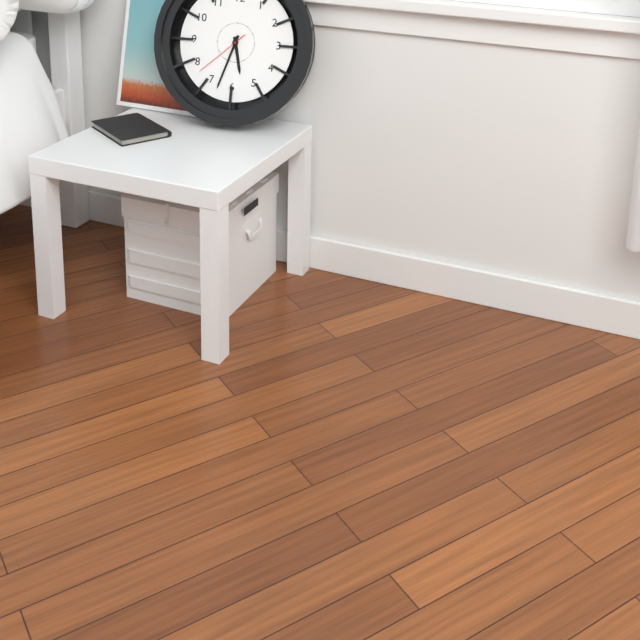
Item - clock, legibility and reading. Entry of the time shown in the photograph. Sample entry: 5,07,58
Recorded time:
5,33,38
